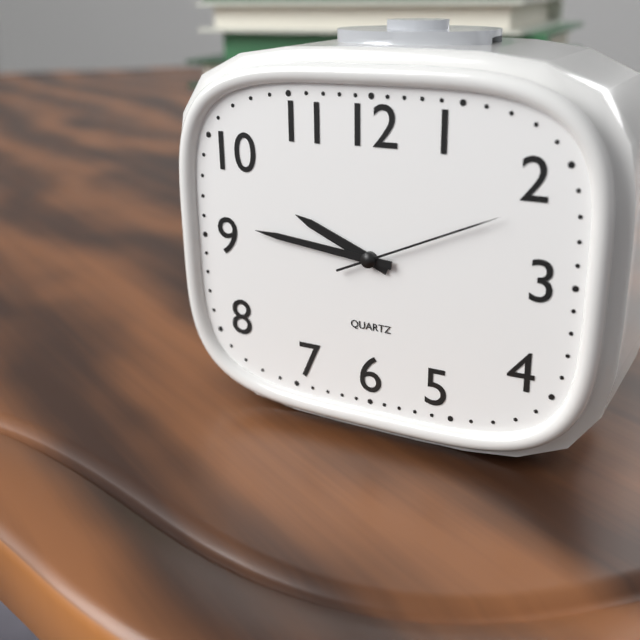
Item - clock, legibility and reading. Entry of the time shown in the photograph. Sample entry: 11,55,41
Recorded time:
9,46,11
